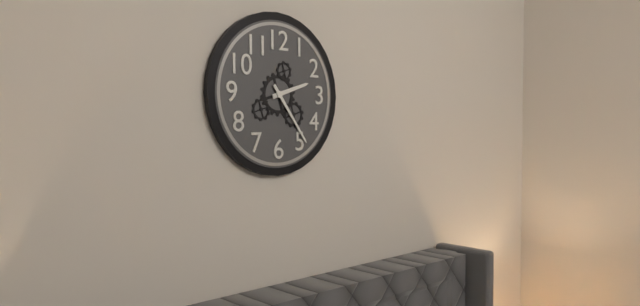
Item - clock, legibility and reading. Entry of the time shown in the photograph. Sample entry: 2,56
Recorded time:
2,24
